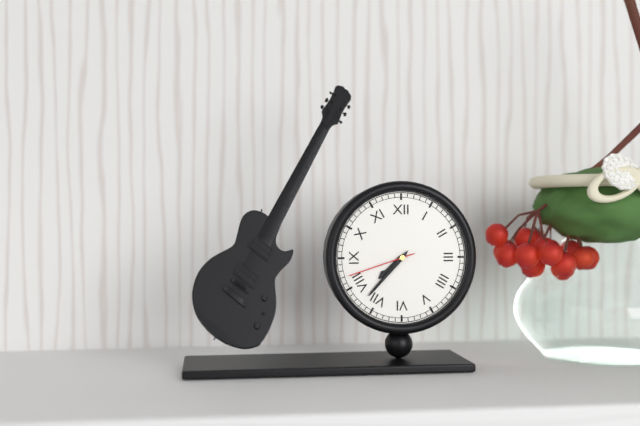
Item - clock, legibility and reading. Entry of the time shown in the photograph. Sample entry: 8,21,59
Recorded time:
7,37,42
